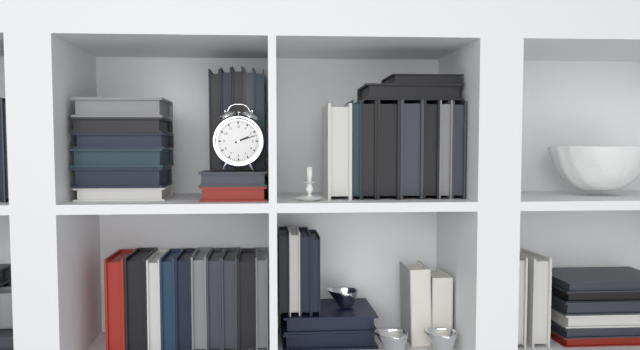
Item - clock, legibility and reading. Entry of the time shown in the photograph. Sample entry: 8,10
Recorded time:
2,12
